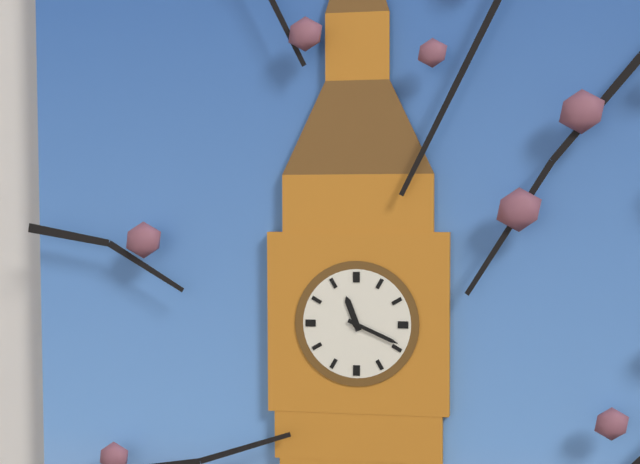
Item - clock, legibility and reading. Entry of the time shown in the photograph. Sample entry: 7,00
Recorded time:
11,19
